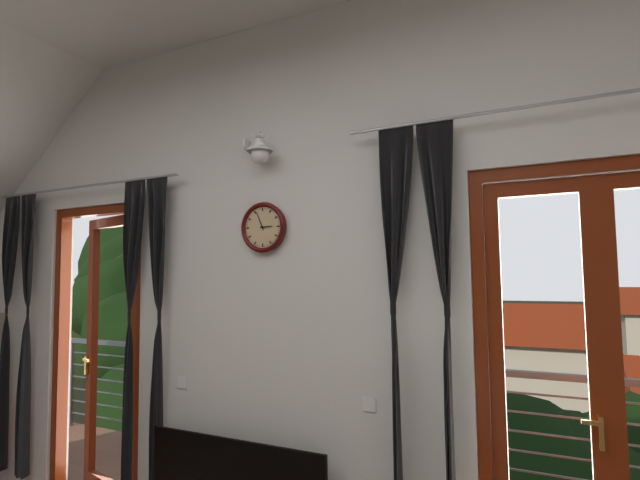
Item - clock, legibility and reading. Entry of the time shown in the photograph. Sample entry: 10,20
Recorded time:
2,56
